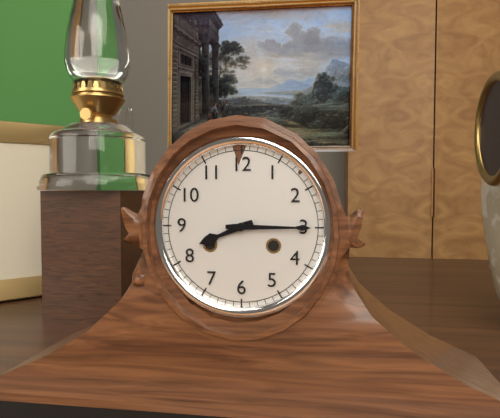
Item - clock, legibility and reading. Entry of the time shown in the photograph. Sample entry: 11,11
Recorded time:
8,15
